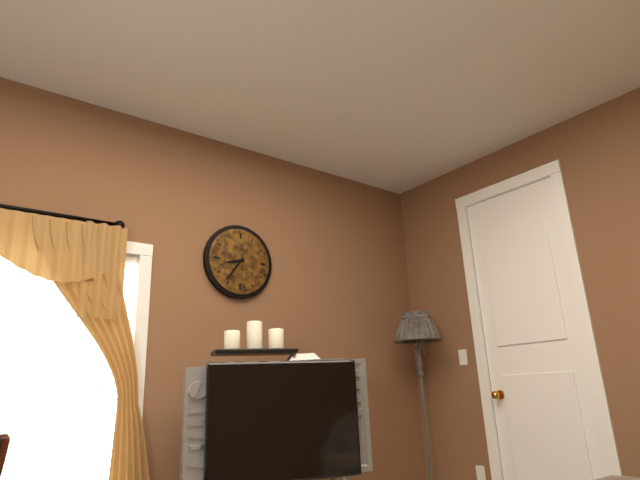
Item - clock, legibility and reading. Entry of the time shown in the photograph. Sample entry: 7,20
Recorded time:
8,36
